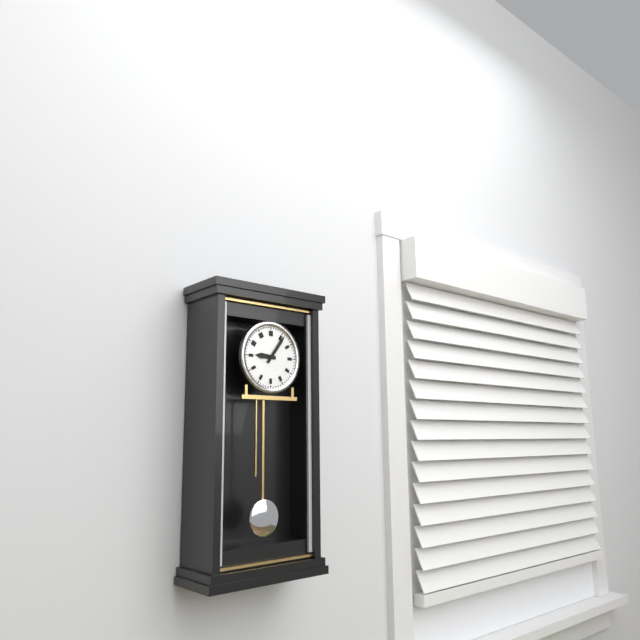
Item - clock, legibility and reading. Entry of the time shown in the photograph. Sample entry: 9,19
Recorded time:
9,06
